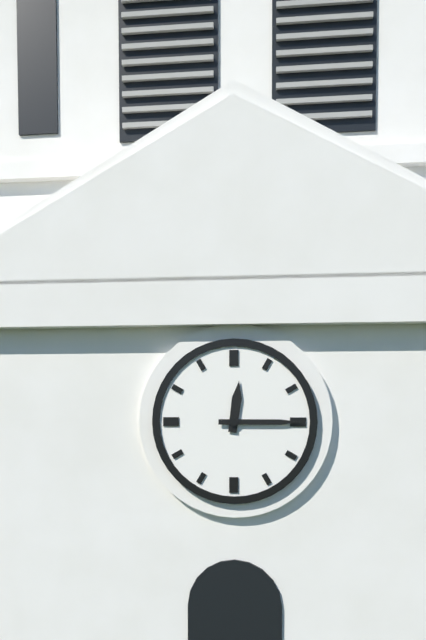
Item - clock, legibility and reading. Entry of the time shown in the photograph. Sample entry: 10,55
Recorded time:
12,15
